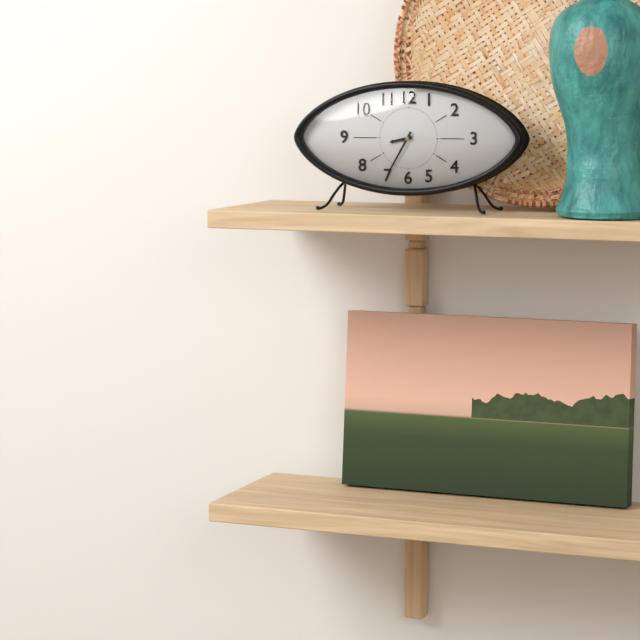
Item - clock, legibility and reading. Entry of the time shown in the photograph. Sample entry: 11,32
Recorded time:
8,35
